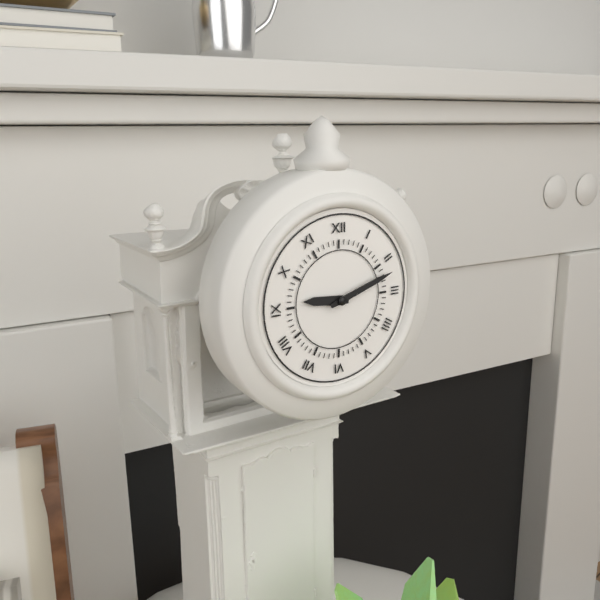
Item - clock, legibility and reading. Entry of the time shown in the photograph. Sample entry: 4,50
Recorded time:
9,12
